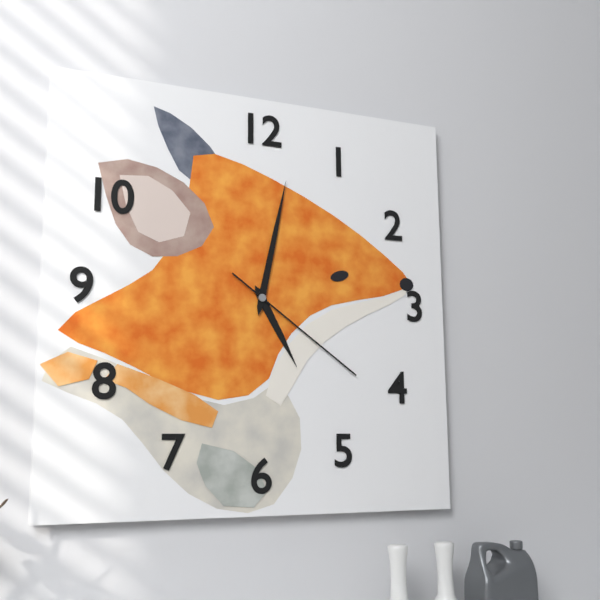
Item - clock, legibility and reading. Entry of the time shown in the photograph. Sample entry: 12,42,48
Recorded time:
5,02,21
